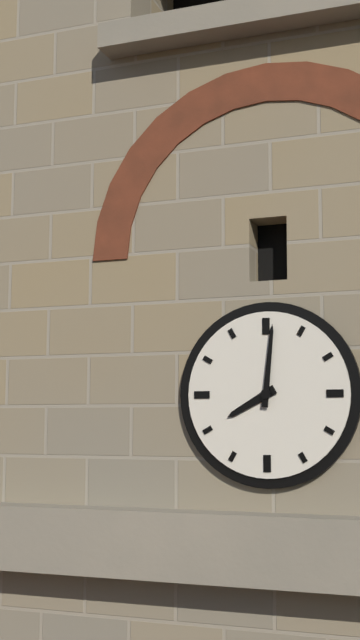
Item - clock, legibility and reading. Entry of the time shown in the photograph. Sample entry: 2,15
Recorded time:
8,01
